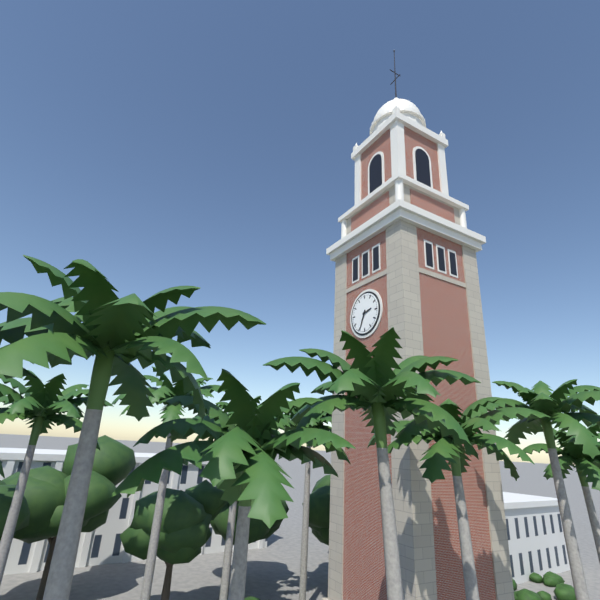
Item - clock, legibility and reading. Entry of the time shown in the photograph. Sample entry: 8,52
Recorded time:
2,34
